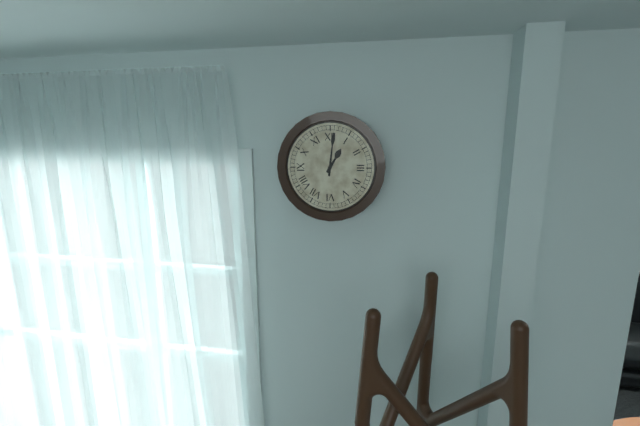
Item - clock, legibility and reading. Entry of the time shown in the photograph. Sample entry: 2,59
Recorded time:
1,01
